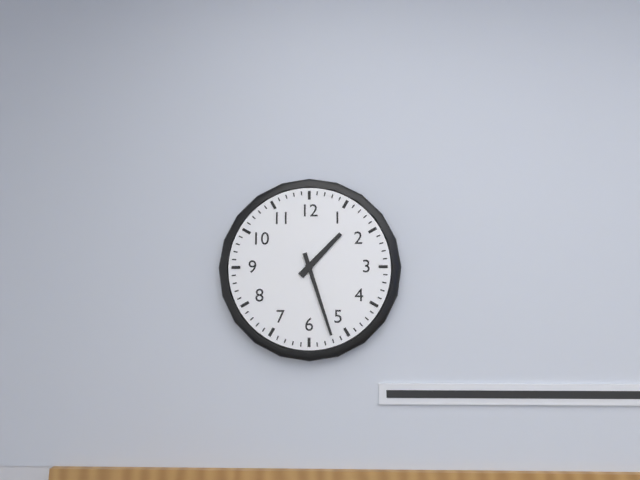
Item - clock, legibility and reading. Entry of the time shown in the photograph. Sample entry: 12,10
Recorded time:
1,27
